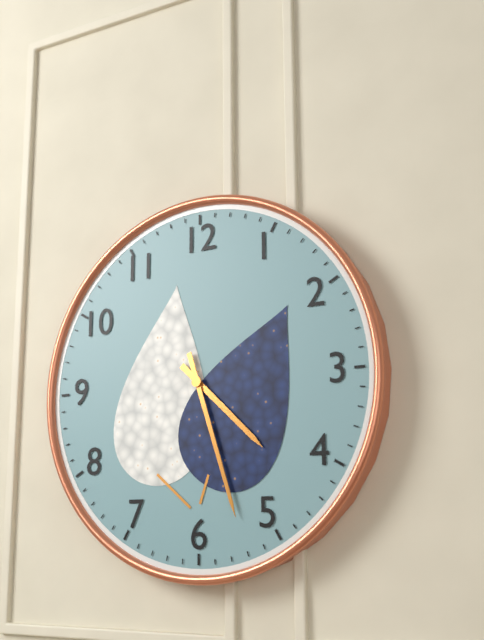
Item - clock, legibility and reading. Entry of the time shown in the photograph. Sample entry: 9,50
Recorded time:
4,27
